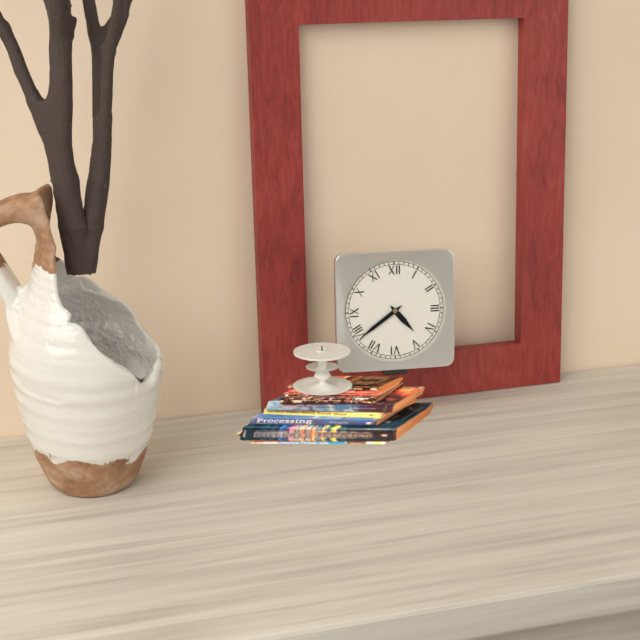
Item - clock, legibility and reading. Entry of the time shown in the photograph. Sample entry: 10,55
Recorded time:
4,39
